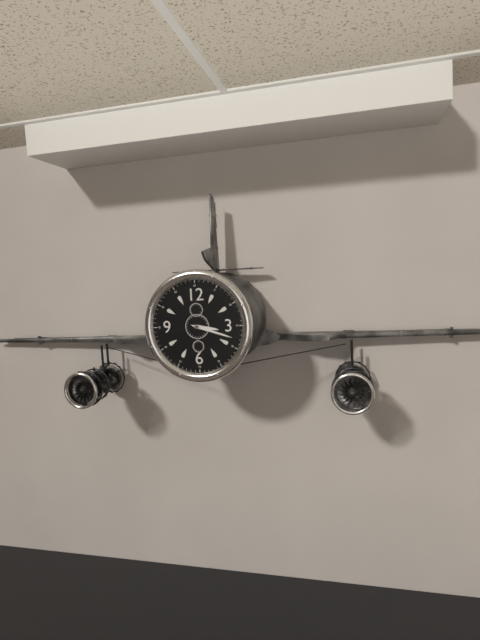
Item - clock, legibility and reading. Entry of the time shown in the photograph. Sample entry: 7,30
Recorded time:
3,18
